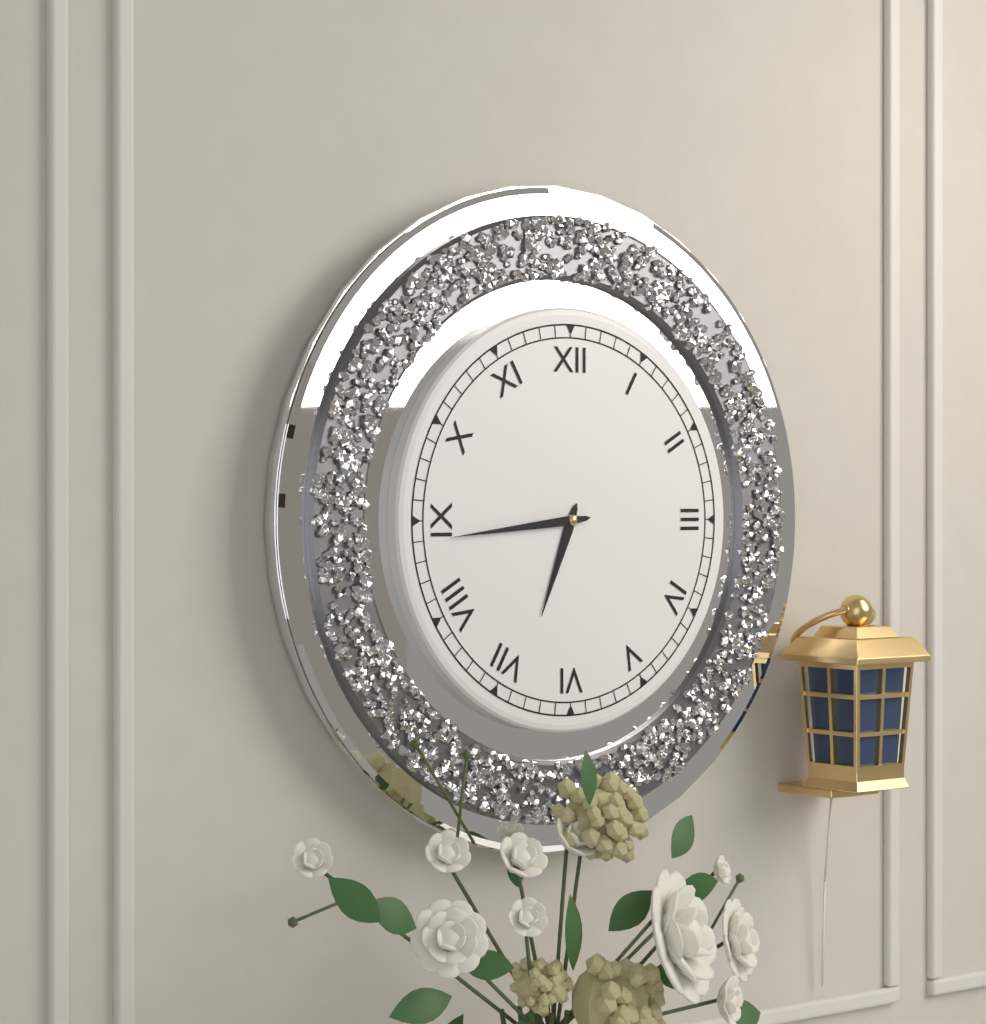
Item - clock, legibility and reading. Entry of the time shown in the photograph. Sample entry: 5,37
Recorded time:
6,44
